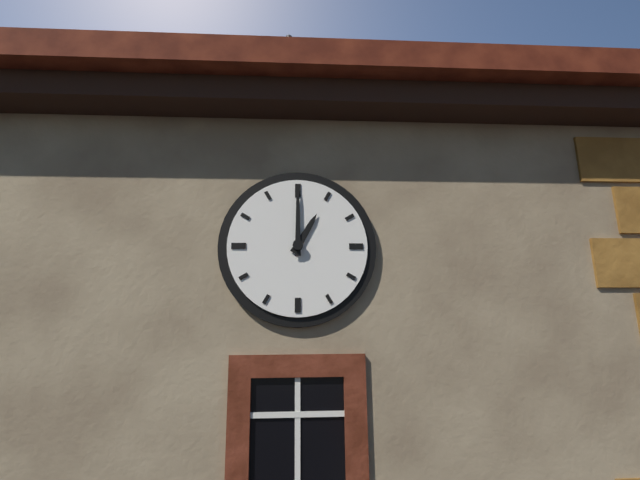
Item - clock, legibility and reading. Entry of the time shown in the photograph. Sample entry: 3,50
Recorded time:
1,00
